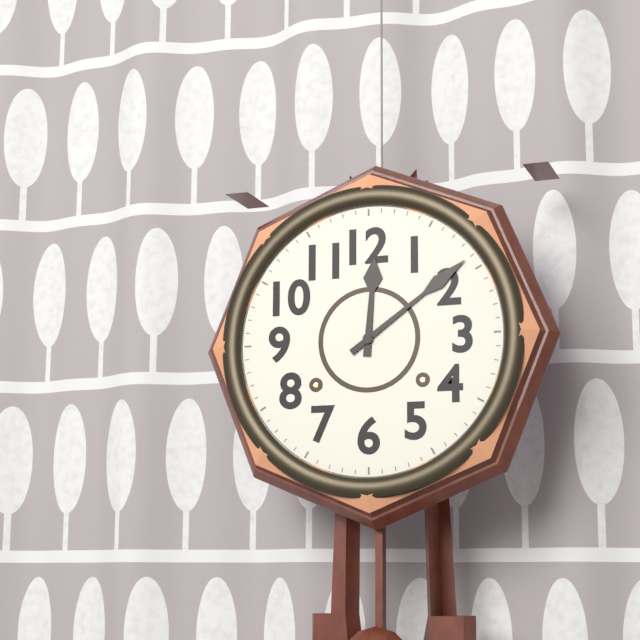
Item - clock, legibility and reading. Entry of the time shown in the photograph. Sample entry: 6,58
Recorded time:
12,09
